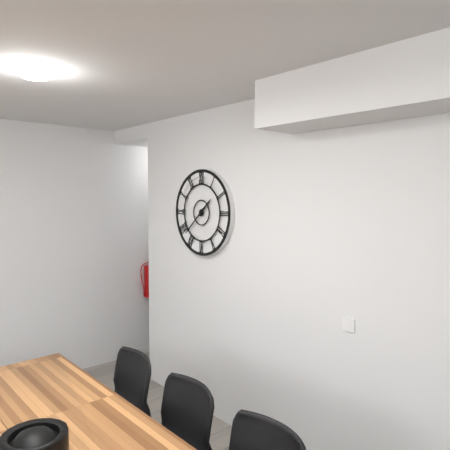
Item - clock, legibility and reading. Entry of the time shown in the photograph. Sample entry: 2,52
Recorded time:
1,38
